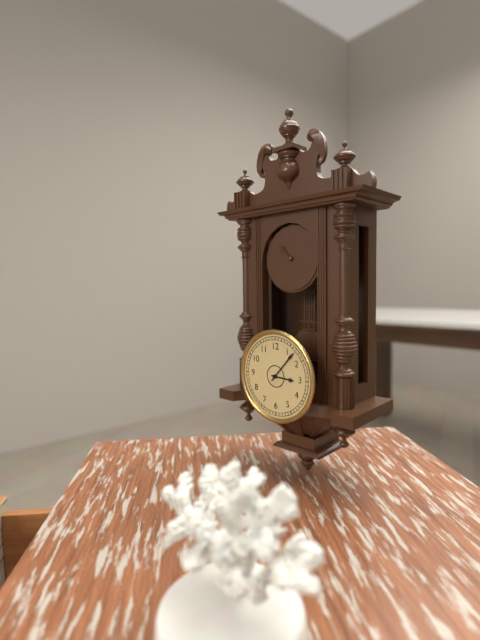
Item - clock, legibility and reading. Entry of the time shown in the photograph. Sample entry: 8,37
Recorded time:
3,07
